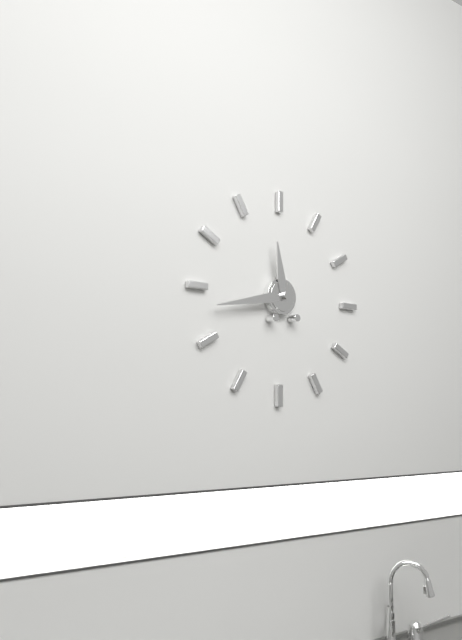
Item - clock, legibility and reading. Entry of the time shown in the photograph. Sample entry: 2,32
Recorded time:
11,43
